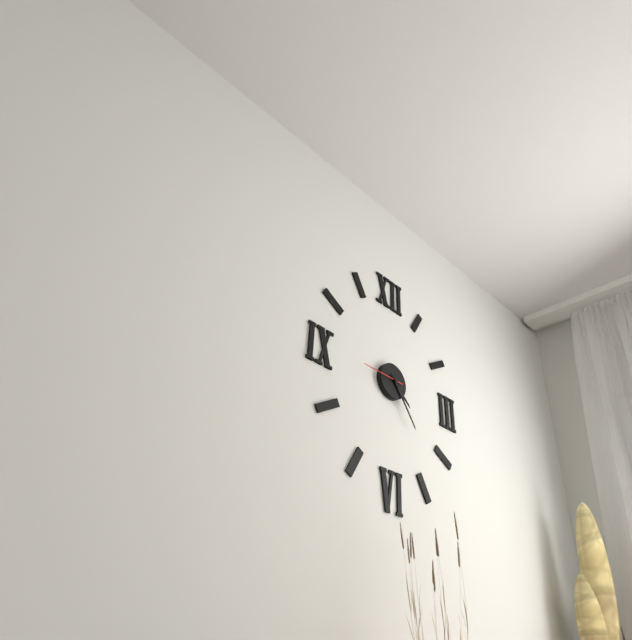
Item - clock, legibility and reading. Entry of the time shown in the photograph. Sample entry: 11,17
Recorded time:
4,24
